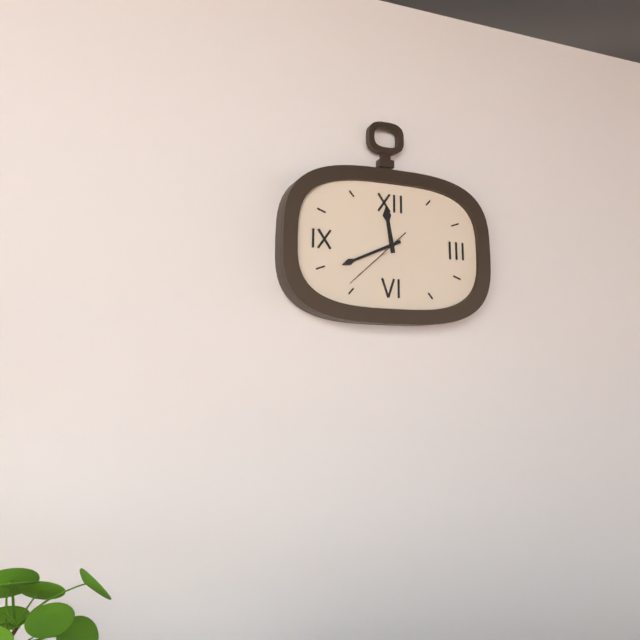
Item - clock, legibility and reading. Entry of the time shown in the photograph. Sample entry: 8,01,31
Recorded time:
11,41,38
